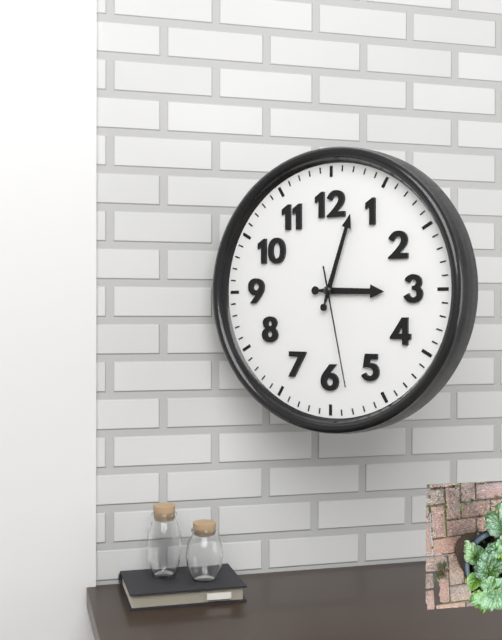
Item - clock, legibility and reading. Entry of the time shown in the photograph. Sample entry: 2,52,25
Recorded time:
3,03,28
